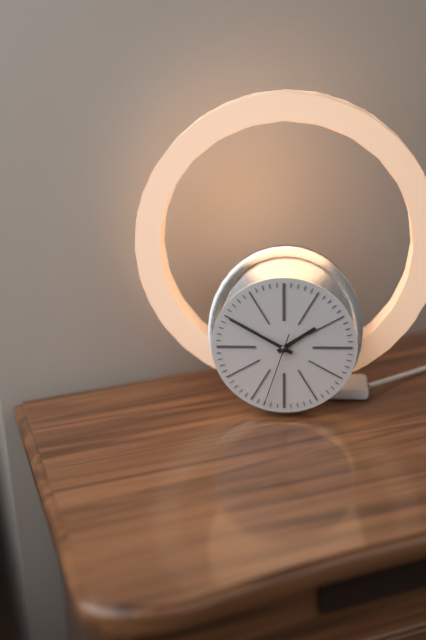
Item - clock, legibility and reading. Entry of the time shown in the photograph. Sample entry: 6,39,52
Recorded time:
1,50,33
